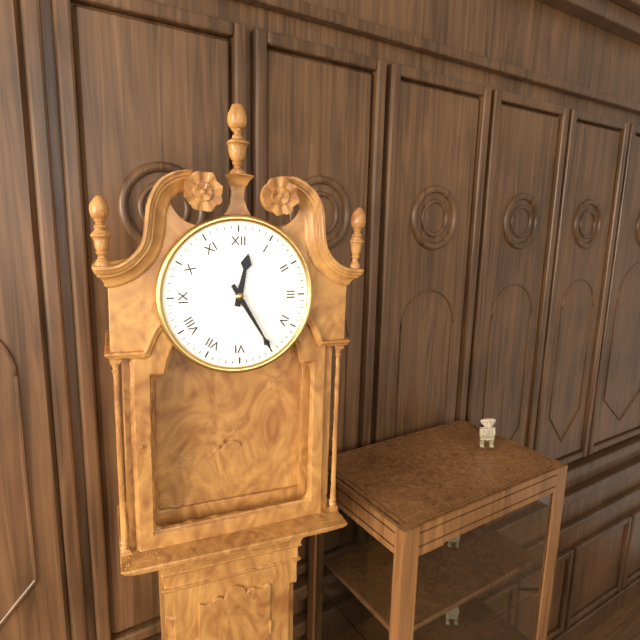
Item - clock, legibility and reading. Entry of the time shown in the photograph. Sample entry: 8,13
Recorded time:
12,25
